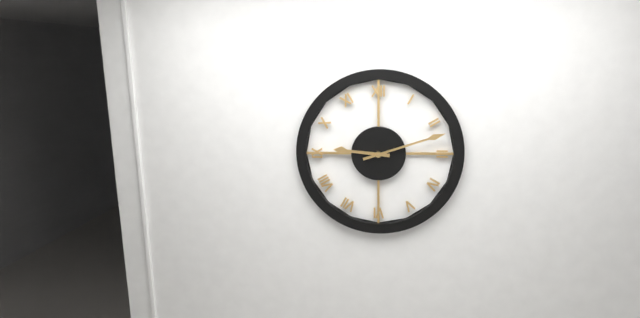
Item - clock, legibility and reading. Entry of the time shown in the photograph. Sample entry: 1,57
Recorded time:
9,12
